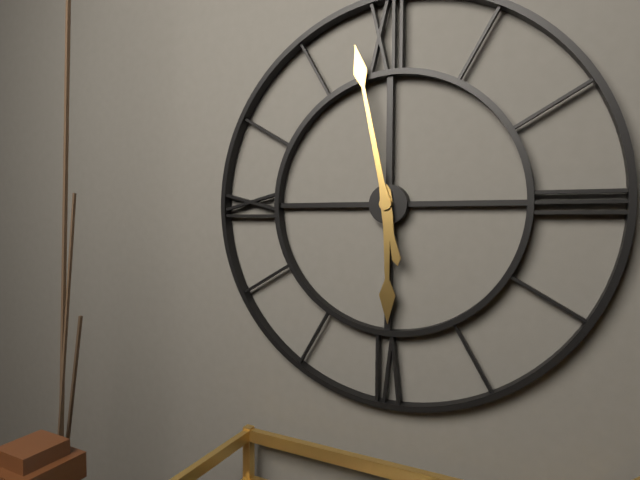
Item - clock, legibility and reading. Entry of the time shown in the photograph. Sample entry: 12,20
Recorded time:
5,58
